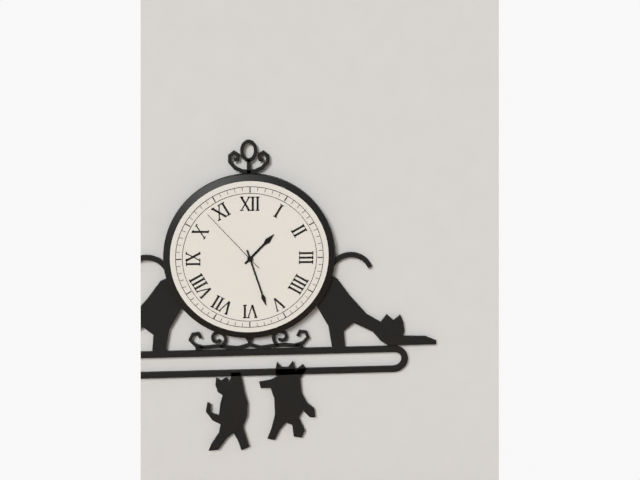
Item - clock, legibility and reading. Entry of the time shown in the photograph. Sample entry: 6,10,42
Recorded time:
1,27,53
